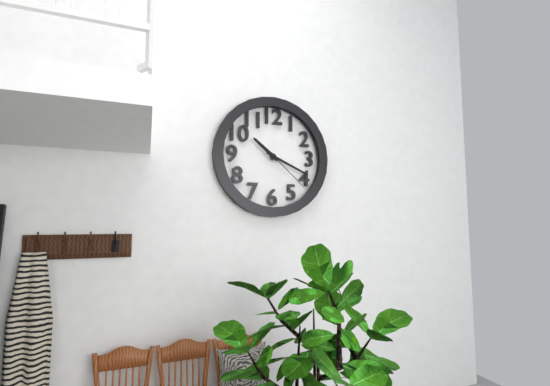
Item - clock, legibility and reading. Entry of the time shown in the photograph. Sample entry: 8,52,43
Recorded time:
10,19,22
